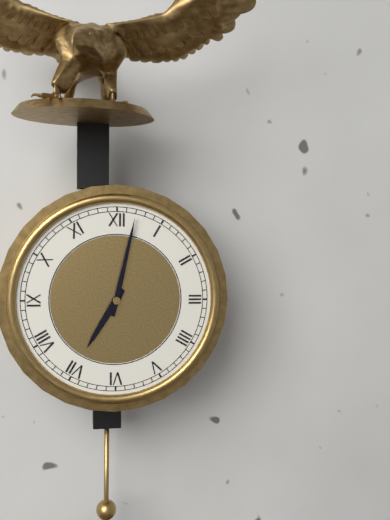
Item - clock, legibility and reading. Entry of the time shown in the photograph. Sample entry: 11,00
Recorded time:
7,02
